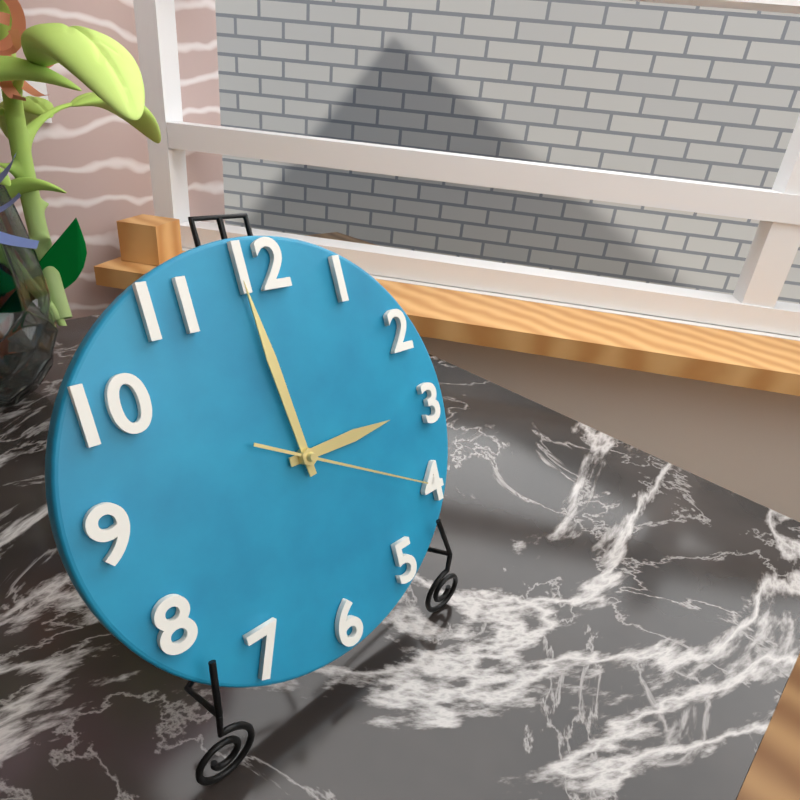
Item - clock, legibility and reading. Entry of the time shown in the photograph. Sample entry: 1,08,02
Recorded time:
2,59,20
